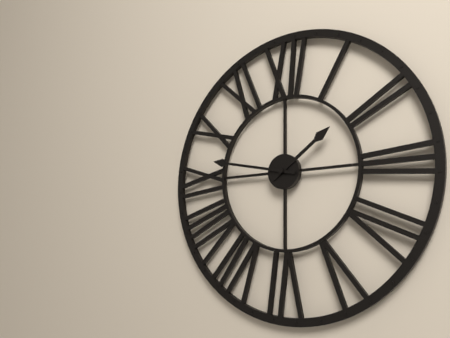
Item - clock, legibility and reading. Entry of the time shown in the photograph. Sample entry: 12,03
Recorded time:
1,47
